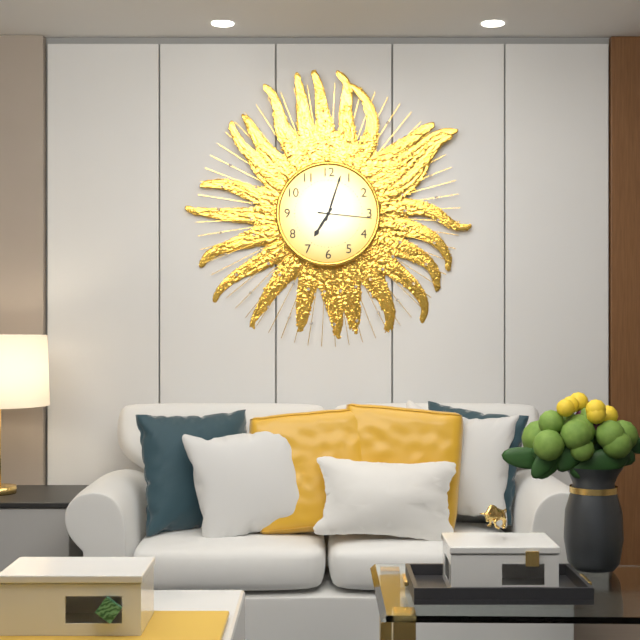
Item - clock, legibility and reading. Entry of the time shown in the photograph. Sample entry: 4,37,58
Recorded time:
7,03,16
